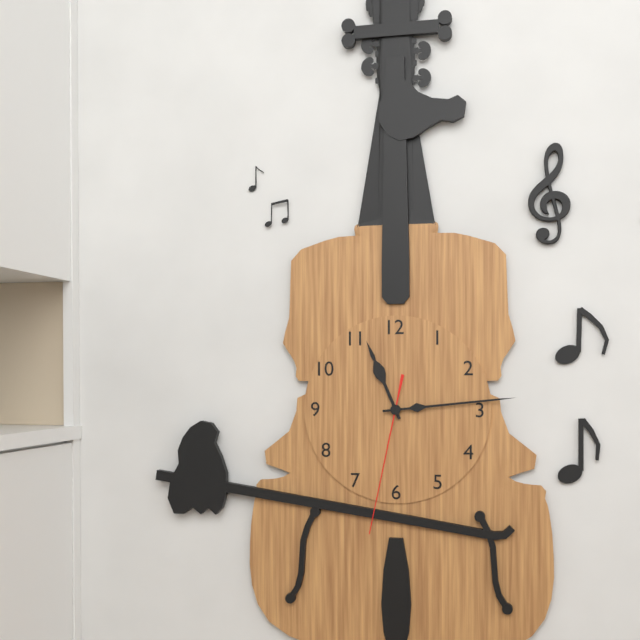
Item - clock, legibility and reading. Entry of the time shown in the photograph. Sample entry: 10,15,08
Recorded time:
11,14,32
